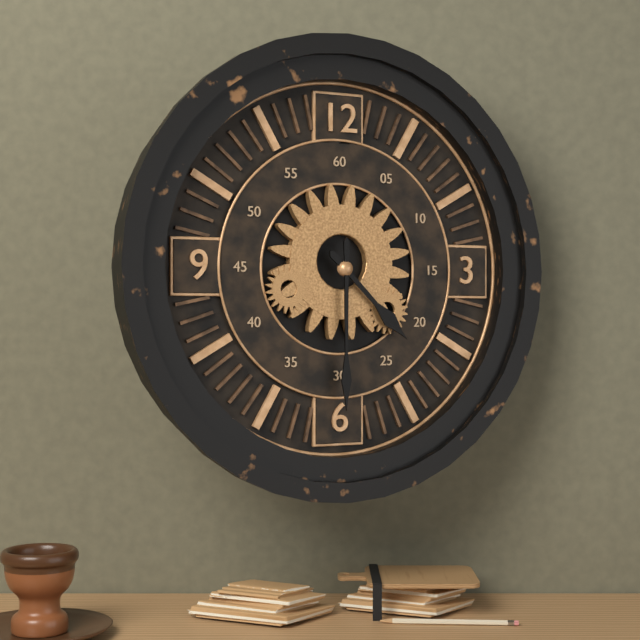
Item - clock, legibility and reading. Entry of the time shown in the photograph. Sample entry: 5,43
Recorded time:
4,30
